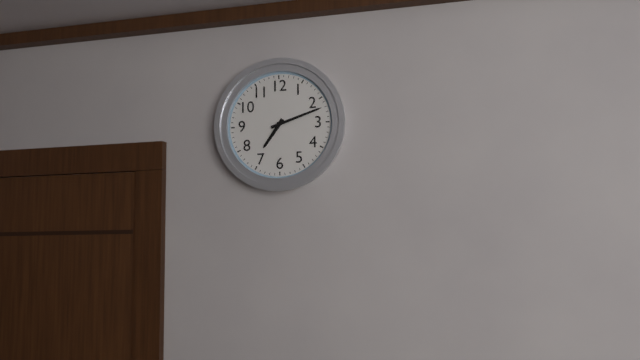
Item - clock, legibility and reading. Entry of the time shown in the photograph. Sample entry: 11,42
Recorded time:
7,12
